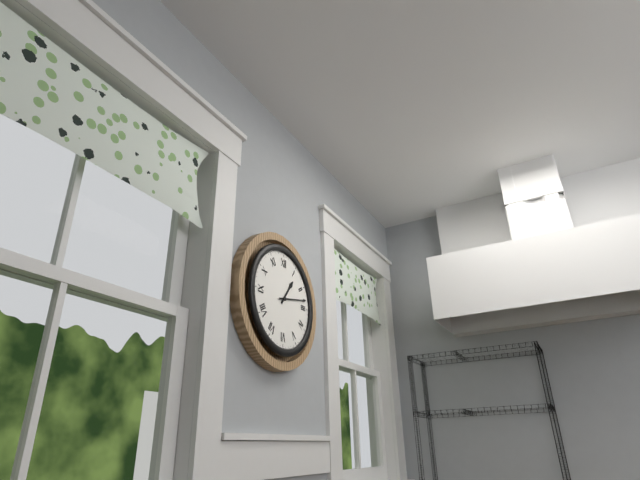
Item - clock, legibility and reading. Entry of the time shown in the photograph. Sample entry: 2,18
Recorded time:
1,13
